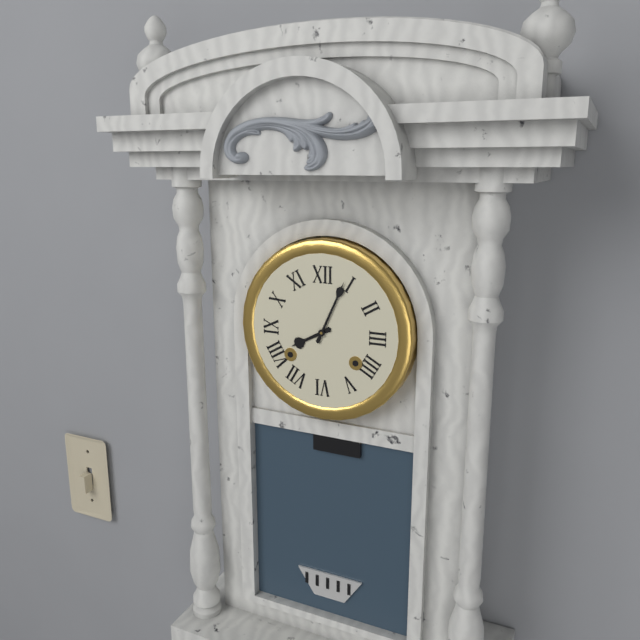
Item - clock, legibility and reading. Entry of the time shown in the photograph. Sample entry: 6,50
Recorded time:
8,04
